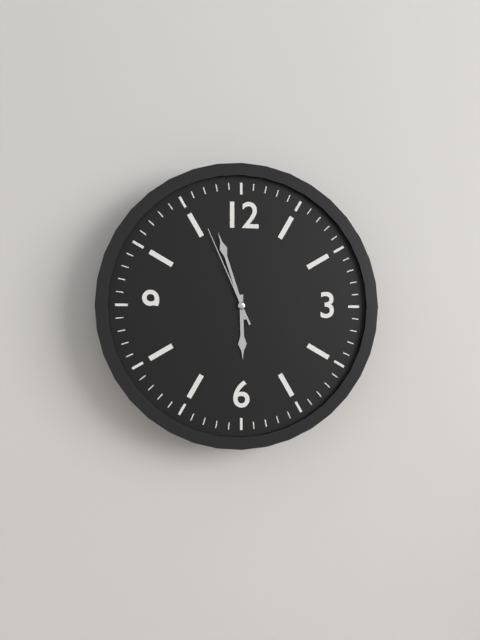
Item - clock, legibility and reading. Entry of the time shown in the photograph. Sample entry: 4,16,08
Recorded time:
5,57,56
